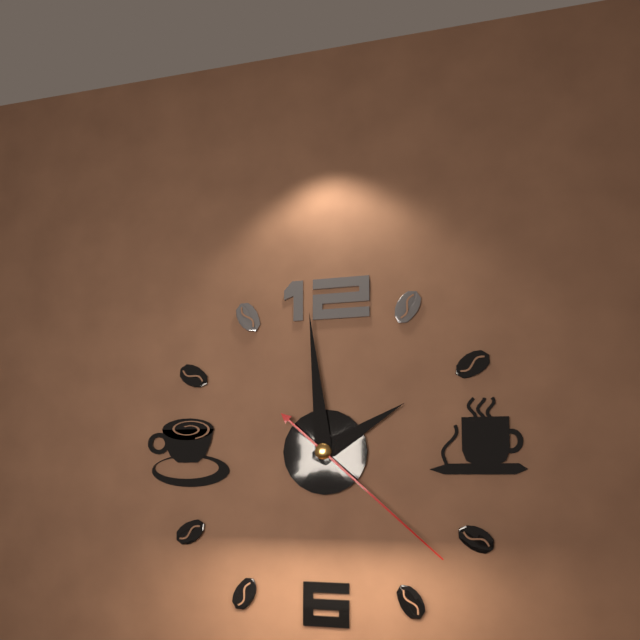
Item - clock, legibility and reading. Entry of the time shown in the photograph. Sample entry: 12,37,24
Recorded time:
1,59,22
